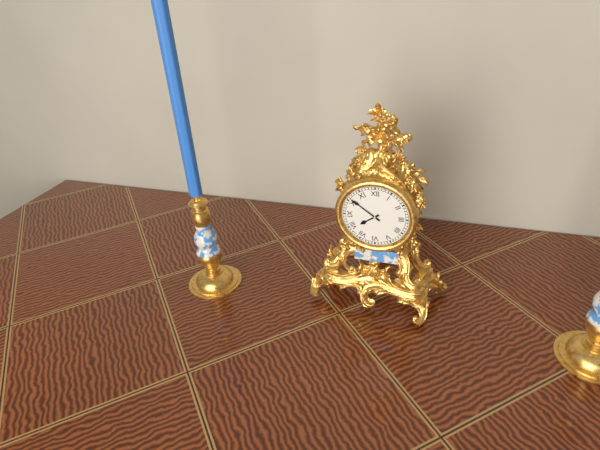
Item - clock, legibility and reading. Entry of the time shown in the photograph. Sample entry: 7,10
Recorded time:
7,51
